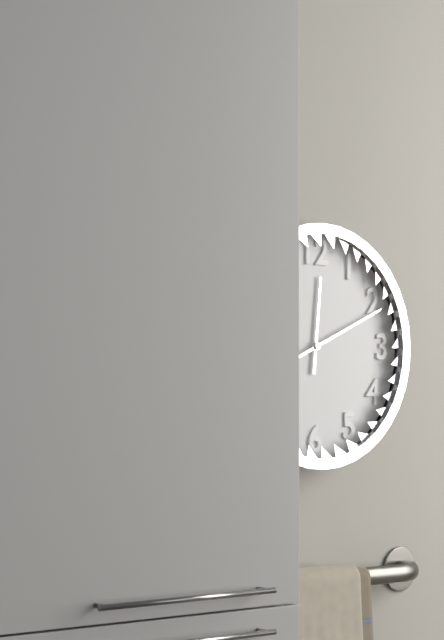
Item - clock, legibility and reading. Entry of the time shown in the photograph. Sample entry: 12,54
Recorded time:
12,11
